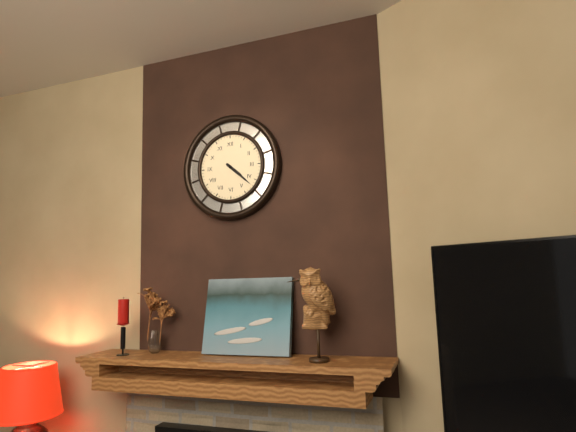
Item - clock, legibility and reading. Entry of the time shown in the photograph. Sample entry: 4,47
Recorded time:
4,22
